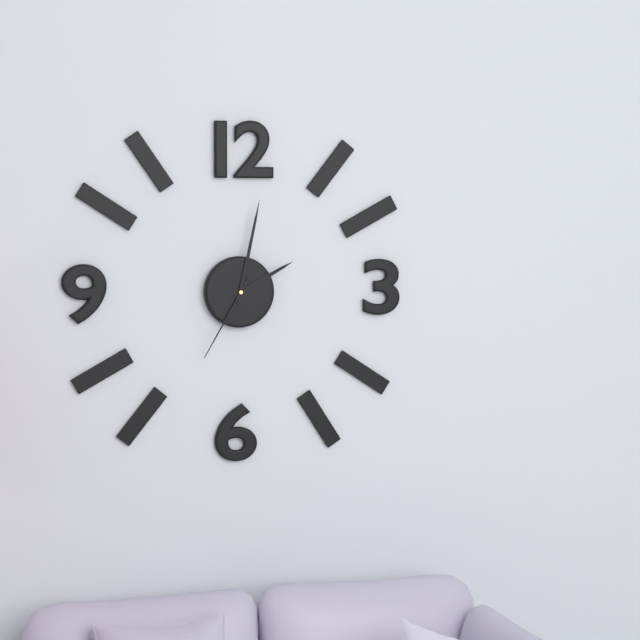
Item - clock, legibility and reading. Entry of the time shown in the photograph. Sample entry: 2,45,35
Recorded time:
2,02,35
